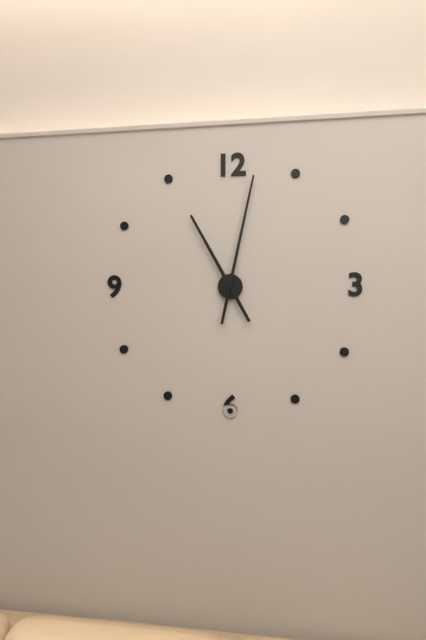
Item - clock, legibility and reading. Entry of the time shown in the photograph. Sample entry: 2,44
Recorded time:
11,02
